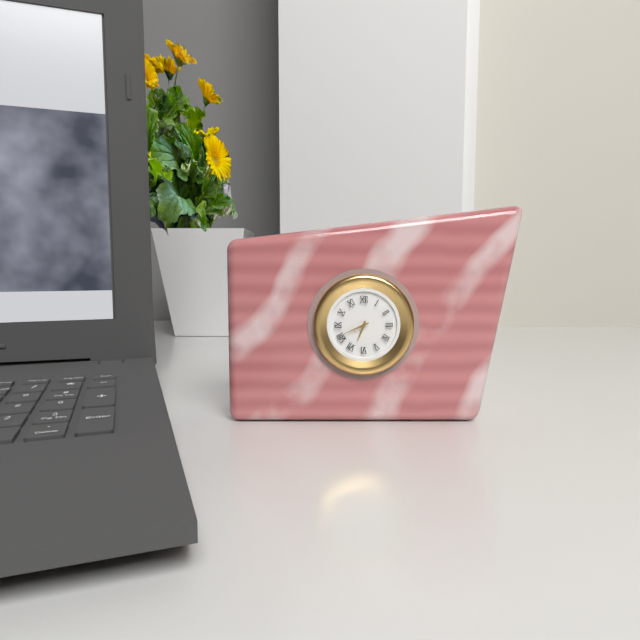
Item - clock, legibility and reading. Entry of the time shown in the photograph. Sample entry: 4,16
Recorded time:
6,41
